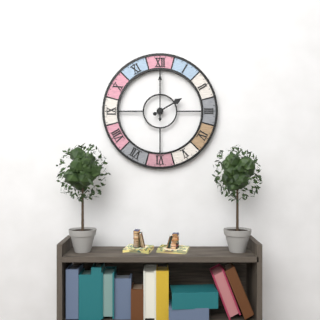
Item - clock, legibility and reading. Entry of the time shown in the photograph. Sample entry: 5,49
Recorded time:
2,00
